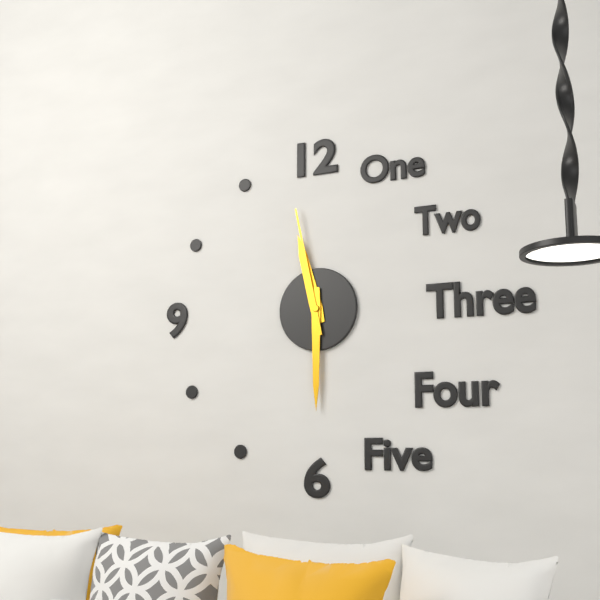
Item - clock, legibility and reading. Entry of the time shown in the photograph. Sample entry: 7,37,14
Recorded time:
11,30,58
